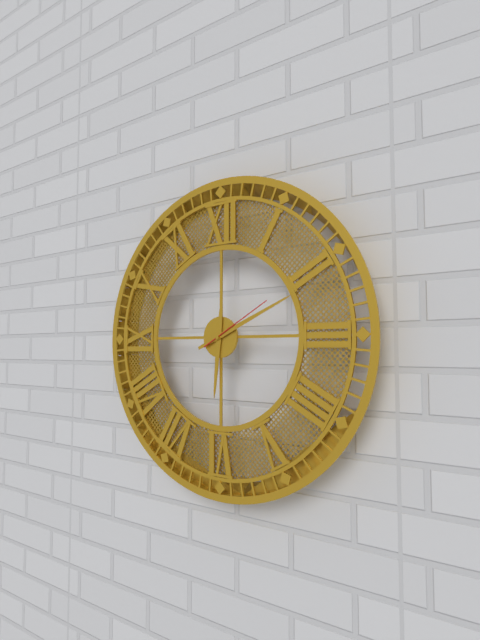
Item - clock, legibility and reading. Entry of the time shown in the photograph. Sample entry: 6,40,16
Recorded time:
6,11,10
